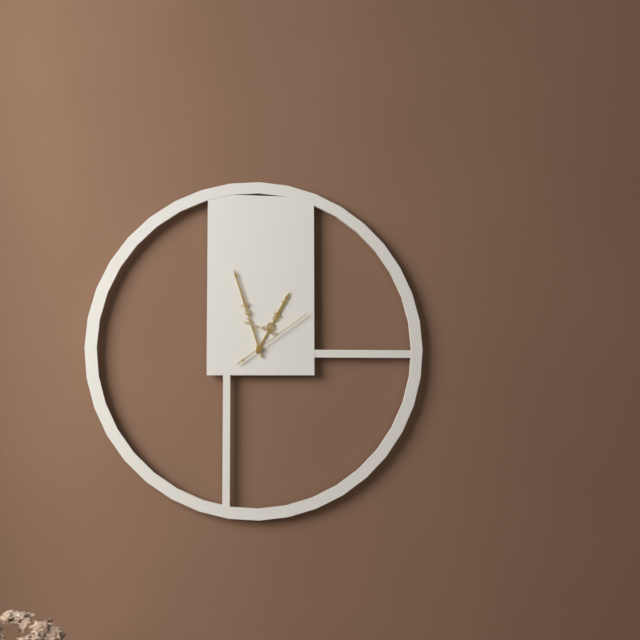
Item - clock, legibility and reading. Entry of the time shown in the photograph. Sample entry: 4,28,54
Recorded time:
12,57,09
